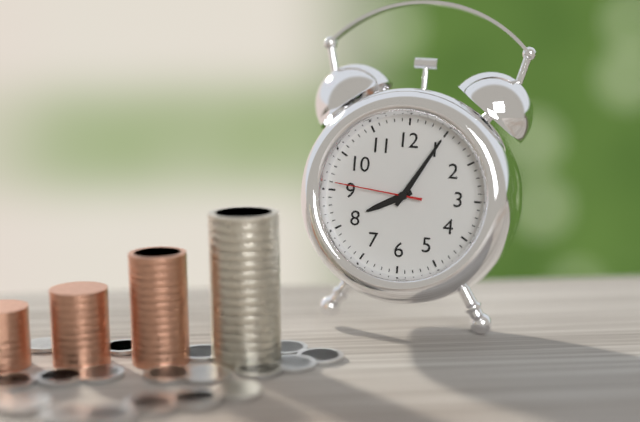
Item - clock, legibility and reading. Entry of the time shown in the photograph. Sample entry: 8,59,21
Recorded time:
8,05,46
